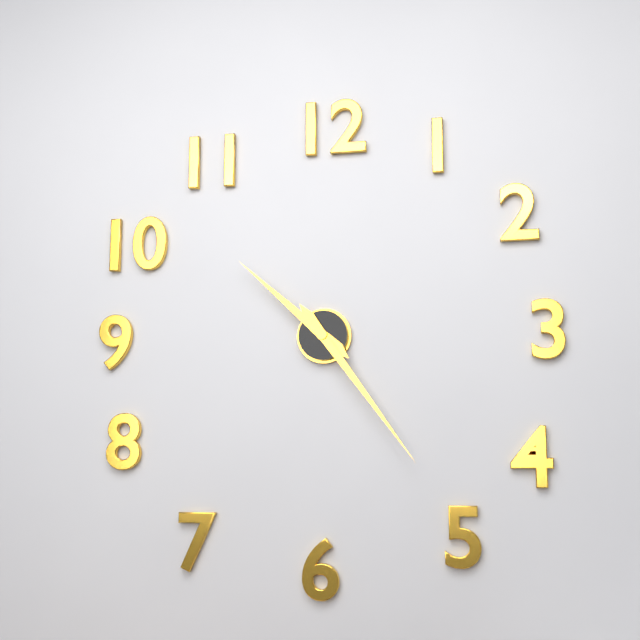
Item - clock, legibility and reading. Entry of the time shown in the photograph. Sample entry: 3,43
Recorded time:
10,24
